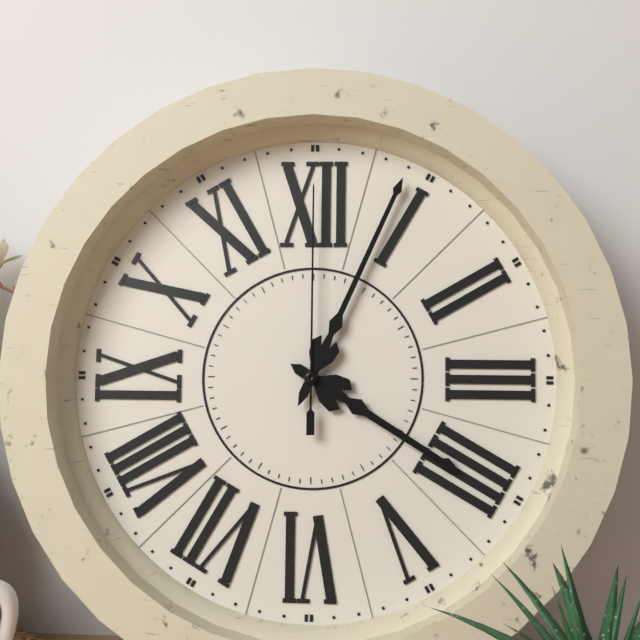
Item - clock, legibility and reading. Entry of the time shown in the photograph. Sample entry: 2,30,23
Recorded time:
4,04,00
